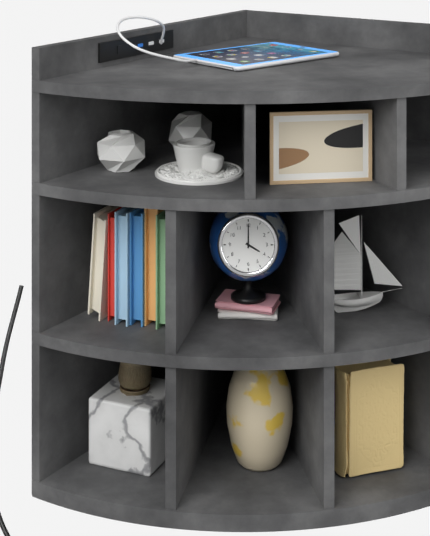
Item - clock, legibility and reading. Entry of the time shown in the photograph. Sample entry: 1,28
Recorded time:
4,00
